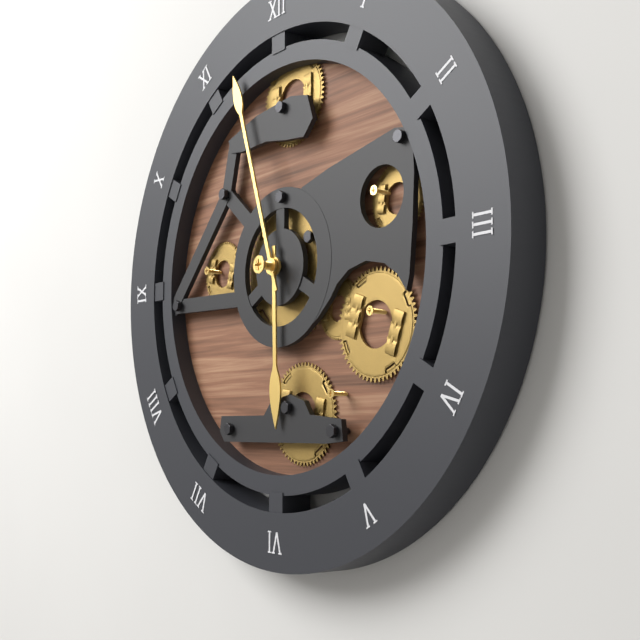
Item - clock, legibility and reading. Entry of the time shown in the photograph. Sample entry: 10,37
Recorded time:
5,57
